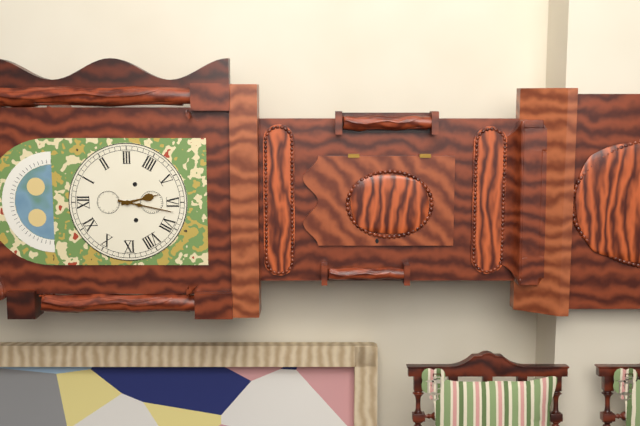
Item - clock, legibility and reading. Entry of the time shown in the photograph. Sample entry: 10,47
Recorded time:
5,32
